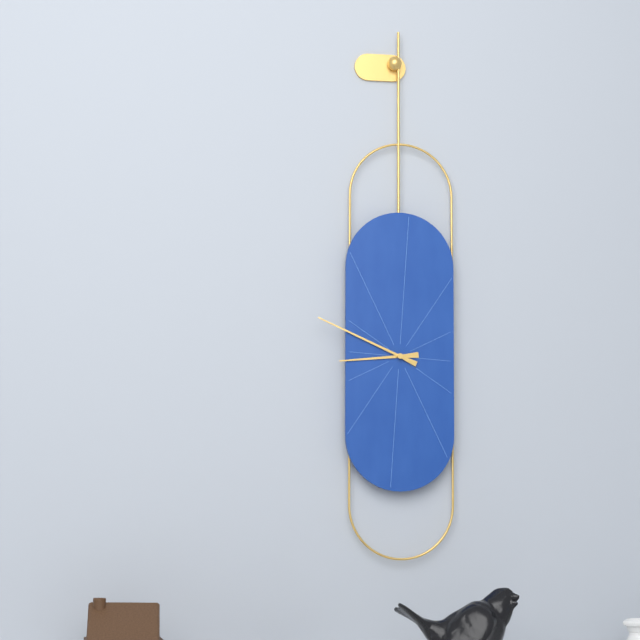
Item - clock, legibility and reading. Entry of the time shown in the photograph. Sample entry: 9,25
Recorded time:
8,49
